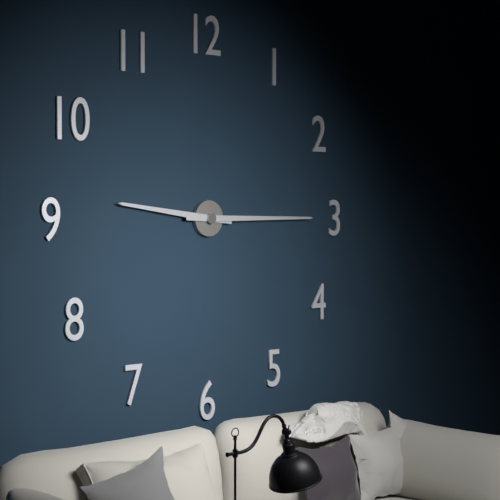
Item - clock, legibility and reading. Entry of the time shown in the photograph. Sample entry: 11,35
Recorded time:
9,15
